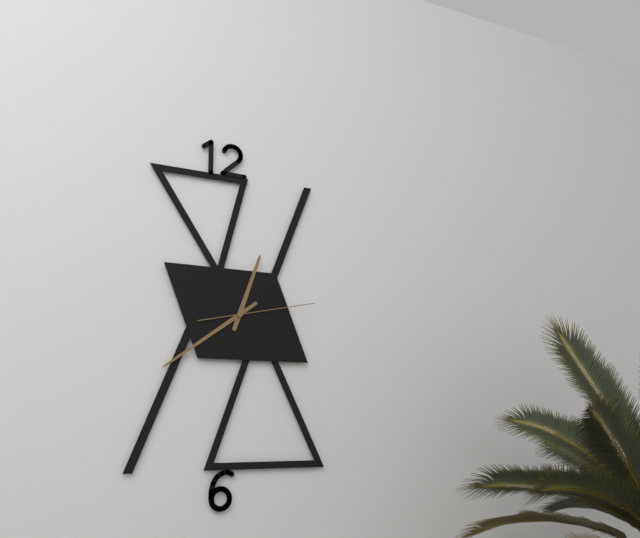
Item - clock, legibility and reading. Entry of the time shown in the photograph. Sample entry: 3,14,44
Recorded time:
12,39,13
